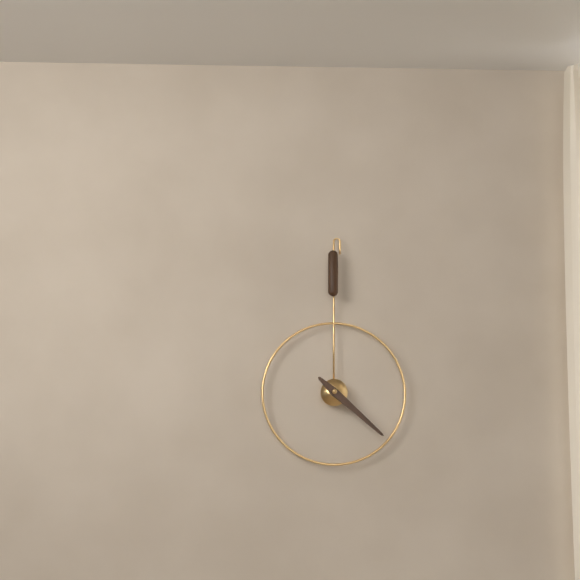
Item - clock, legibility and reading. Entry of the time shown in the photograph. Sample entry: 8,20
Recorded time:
4,22
